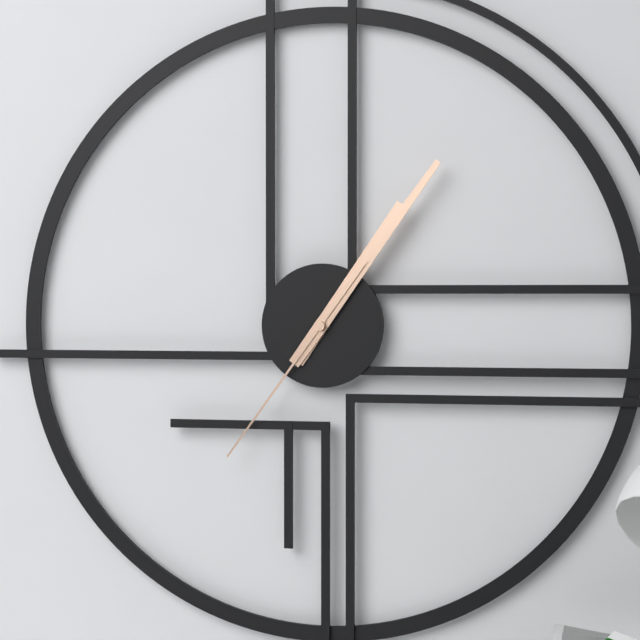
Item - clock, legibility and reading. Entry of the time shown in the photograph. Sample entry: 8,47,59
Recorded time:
1,06,36
